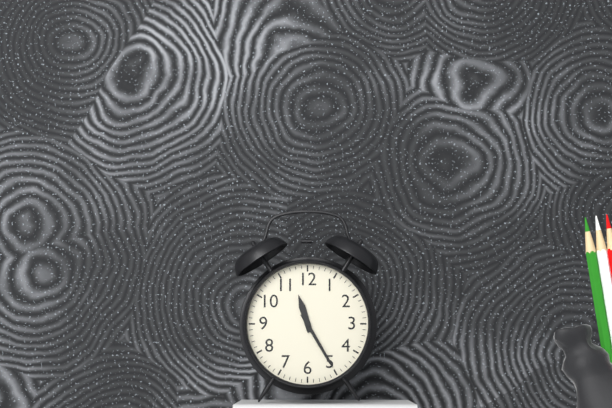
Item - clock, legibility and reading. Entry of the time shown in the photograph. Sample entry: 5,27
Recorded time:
11,25
